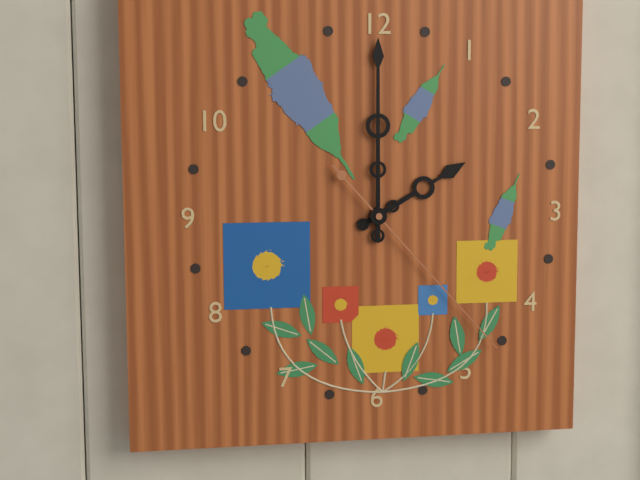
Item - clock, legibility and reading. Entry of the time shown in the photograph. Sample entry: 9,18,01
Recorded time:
2,00,23
